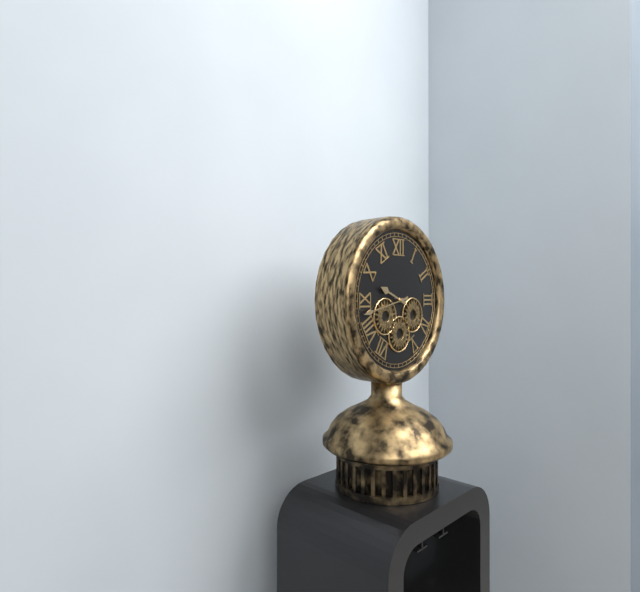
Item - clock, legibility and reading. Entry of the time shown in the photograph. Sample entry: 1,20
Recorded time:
9,43
